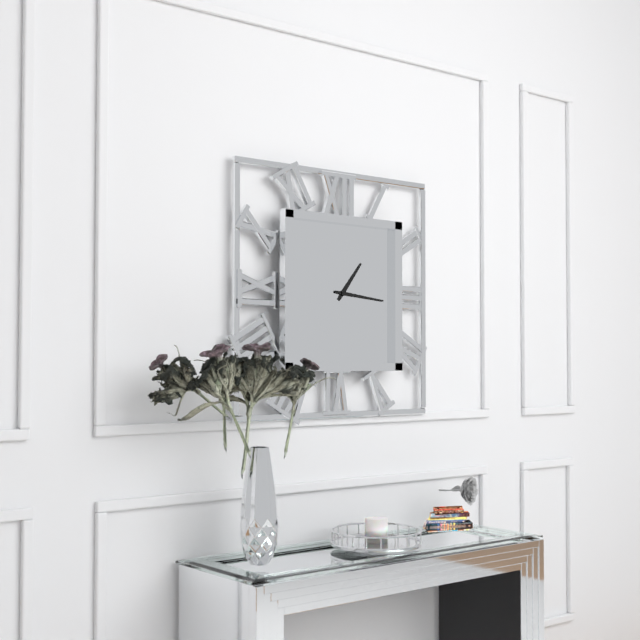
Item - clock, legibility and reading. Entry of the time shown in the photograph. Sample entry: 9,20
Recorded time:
1,16
